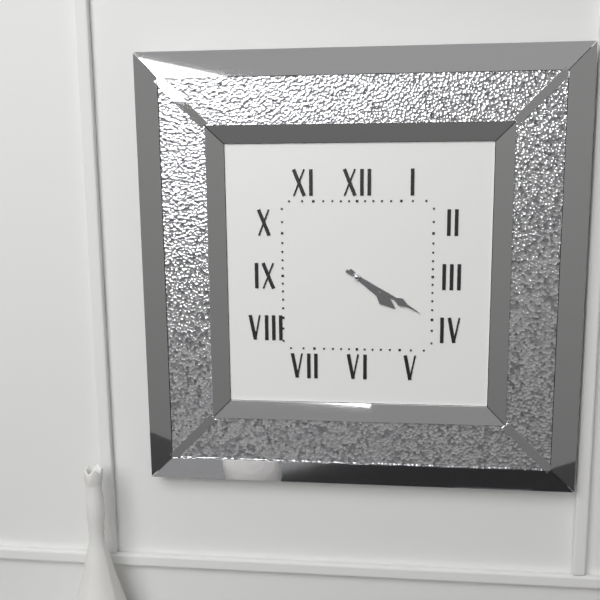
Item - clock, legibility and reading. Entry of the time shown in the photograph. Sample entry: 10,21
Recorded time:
4,20
